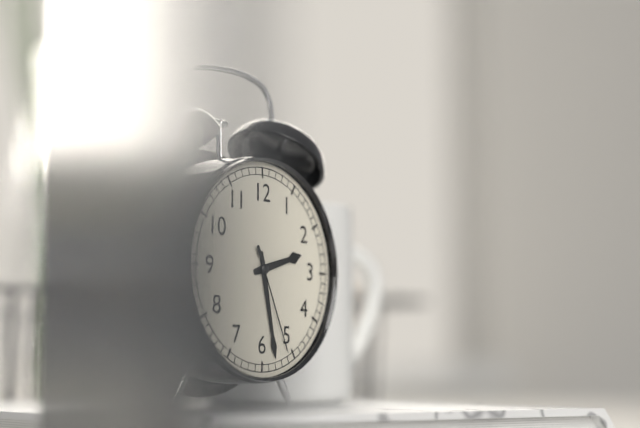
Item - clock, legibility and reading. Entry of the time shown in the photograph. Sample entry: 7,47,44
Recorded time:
2,28,26
